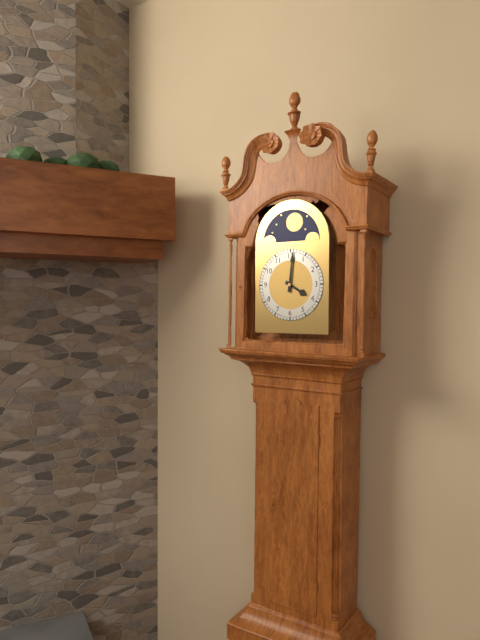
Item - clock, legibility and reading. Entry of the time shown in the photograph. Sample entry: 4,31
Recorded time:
4,01
